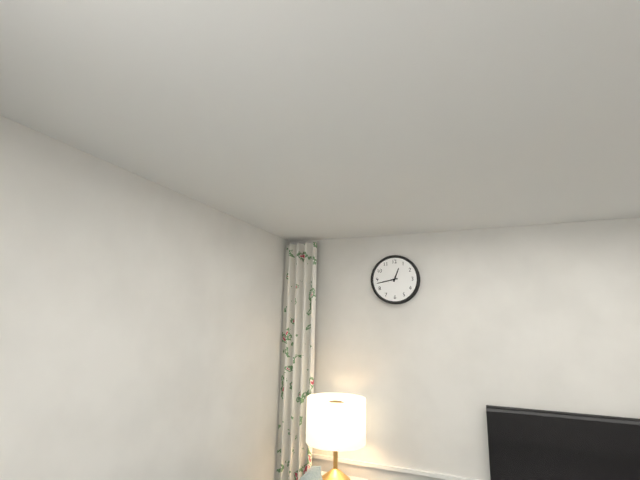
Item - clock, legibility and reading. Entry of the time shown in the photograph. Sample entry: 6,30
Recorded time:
12,43
